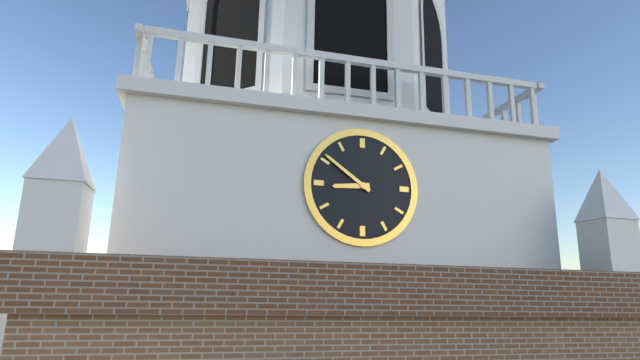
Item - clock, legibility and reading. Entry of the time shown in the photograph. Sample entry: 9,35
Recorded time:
8,51
